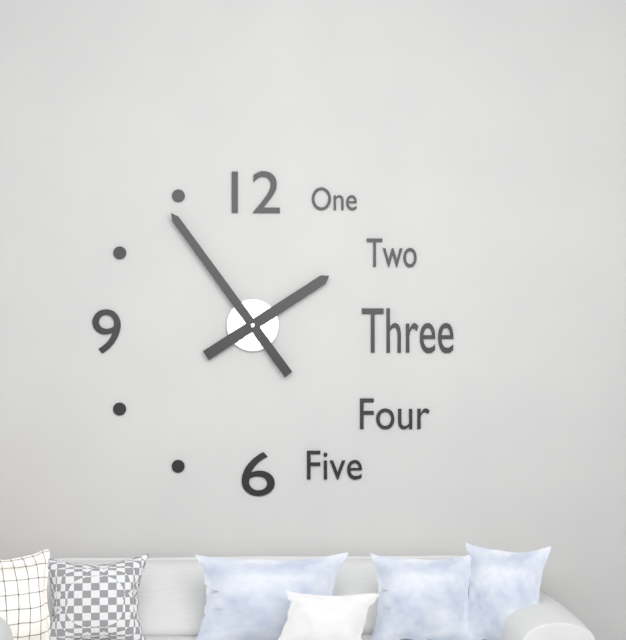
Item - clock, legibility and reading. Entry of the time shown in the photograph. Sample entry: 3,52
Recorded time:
1,54
